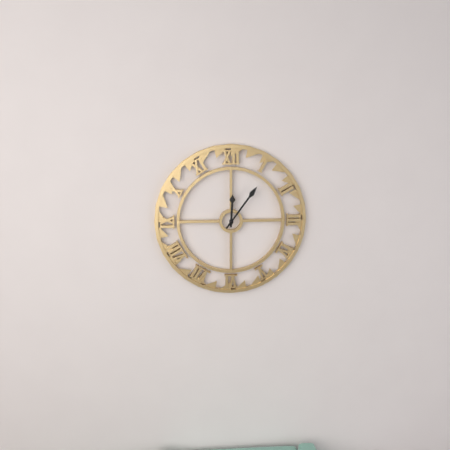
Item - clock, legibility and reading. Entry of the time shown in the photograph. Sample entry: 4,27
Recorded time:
12,06
